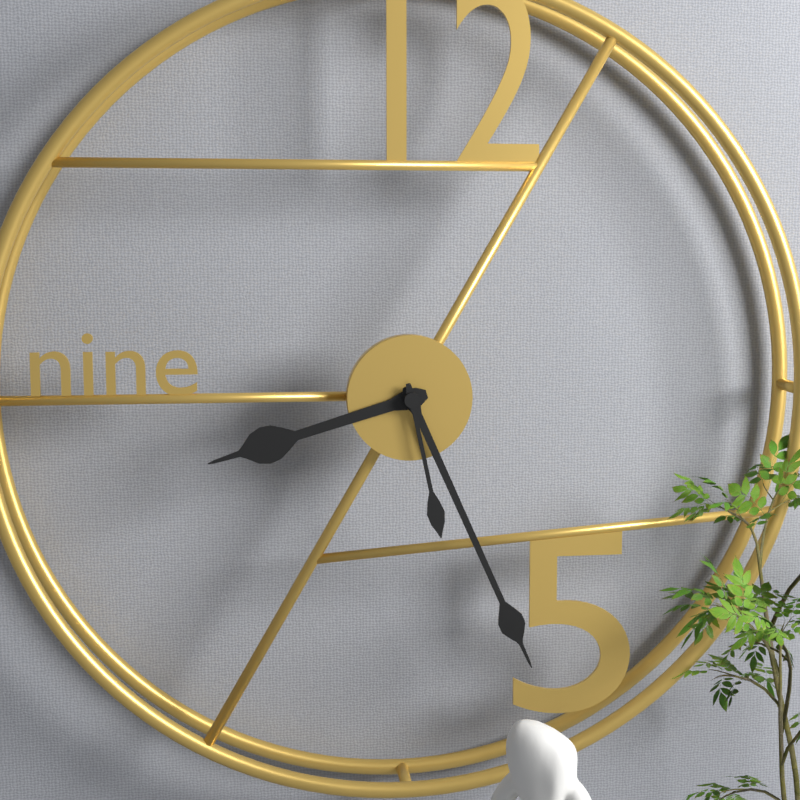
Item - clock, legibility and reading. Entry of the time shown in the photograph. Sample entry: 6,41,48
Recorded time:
8,26,28
